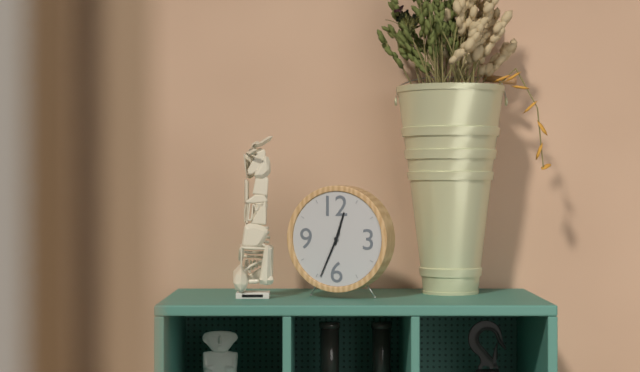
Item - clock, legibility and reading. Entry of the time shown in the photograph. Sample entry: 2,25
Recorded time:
12,34
